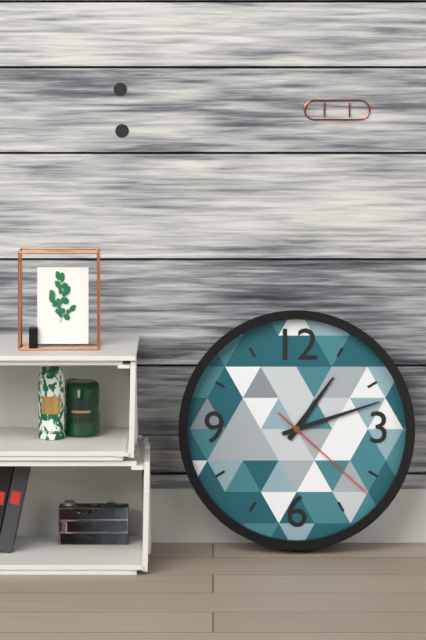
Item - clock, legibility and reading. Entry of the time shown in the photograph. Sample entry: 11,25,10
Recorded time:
1,12,22
